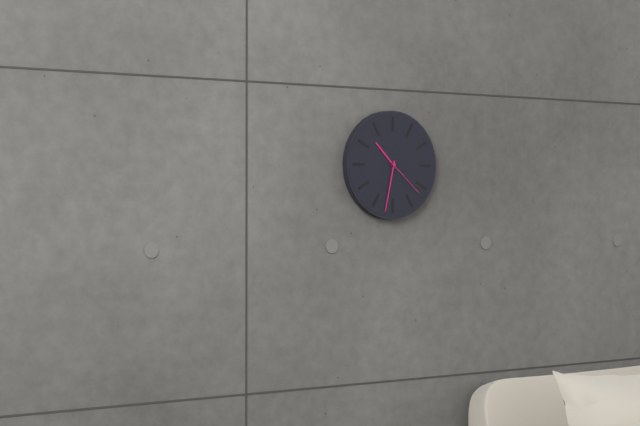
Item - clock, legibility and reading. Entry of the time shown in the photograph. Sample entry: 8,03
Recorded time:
10,32
